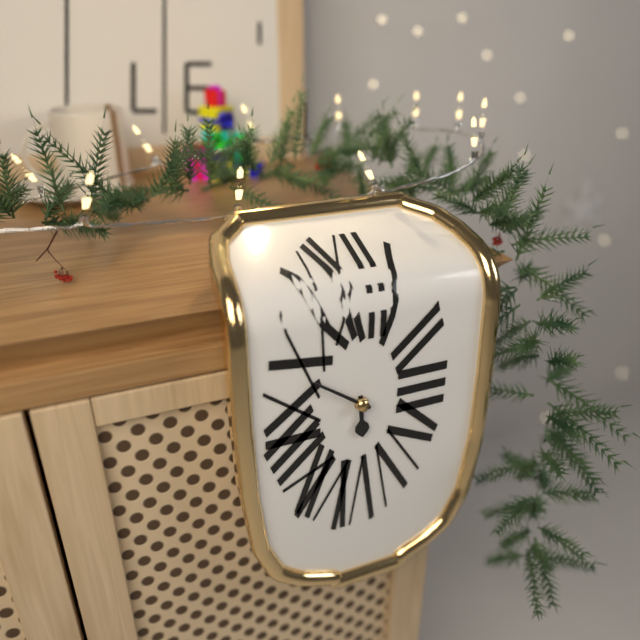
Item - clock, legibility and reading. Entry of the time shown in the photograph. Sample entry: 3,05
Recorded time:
5,51
